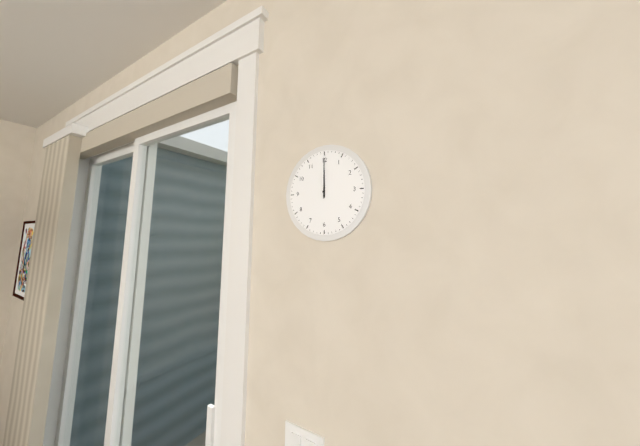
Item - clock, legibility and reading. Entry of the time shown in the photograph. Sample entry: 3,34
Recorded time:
12,00
